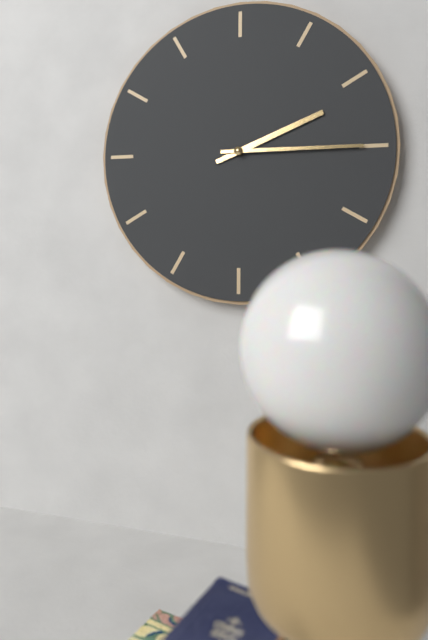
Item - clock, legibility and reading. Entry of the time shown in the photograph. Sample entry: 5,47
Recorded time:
2,15
